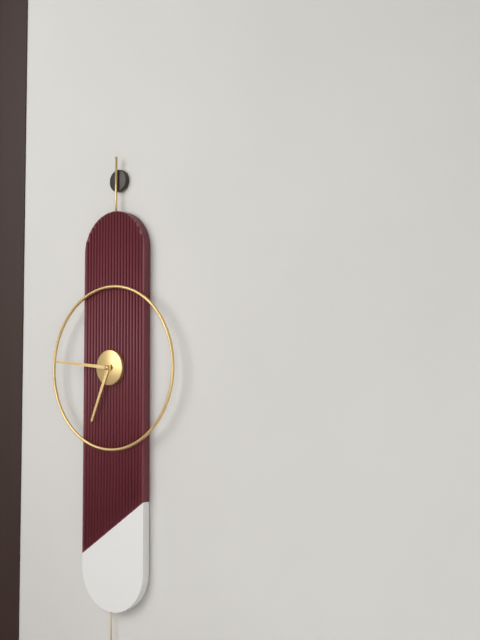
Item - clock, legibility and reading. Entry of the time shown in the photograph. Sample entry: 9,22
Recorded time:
6,46
